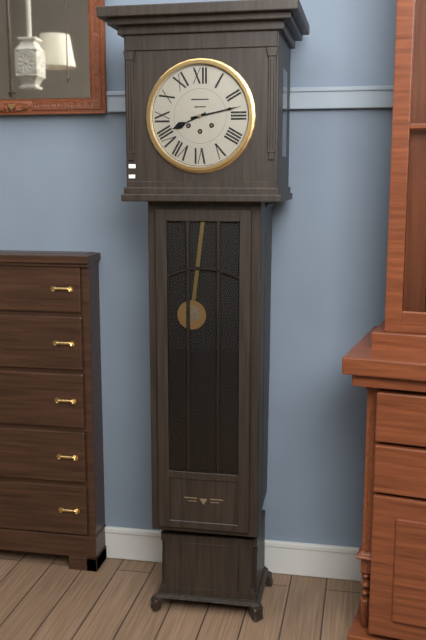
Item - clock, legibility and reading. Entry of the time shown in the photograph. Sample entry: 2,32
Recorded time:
8,13
